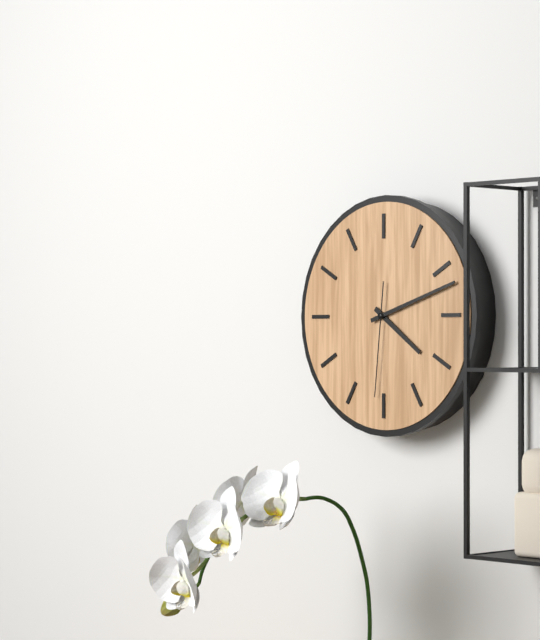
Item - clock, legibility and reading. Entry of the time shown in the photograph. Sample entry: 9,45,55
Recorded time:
4,12,31
